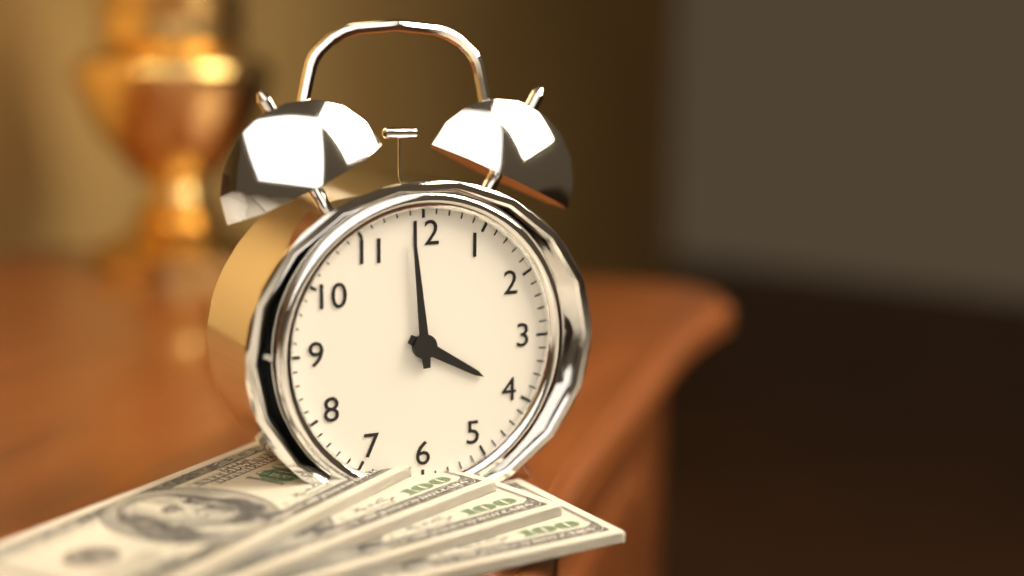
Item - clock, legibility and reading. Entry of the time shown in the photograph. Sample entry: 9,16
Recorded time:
3,59
